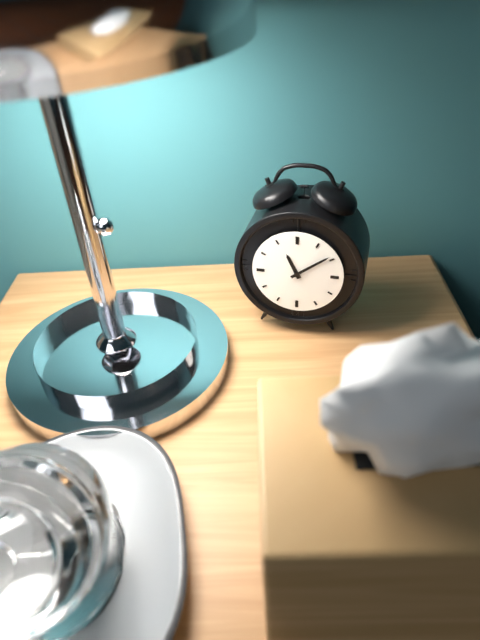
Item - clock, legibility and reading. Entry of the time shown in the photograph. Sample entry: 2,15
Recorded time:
11,09
